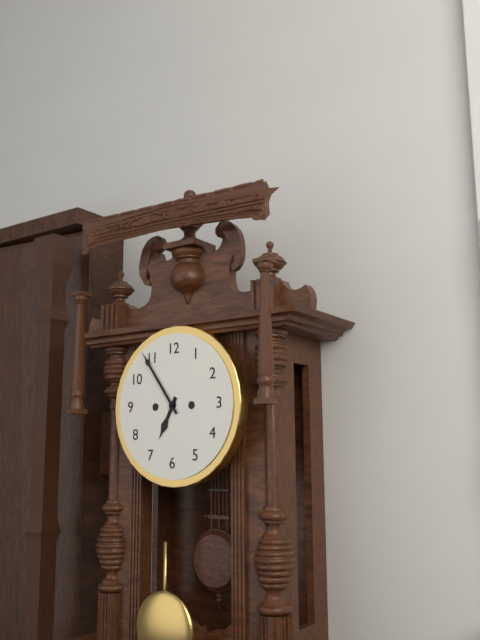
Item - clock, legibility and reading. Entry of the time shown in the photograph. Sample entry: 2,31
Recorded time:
6,54
